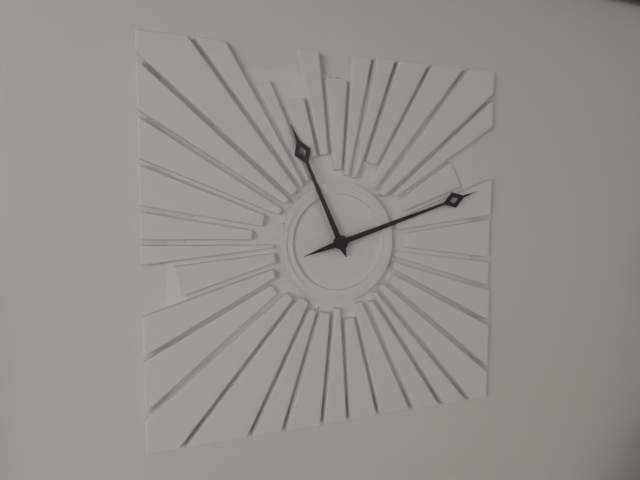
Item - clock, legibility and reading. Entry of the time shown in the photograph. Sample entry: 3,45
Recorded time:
11,12
